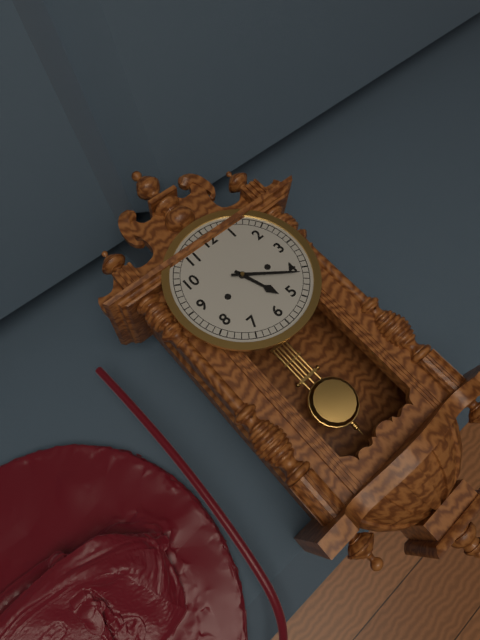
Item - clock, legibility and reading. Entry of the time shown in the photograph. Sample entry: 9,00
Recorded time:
5,21
